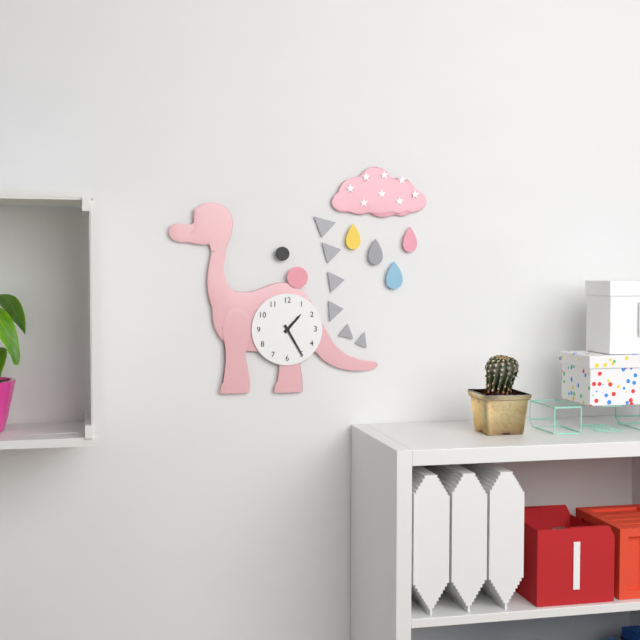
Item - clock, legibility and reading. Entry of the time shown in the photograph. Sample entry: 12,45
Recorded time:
1,25
